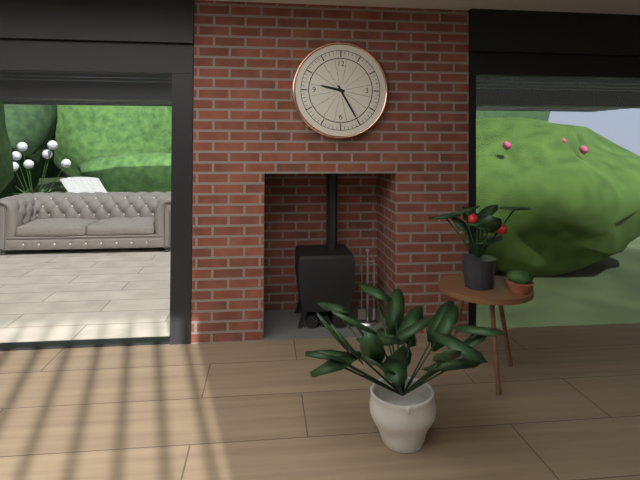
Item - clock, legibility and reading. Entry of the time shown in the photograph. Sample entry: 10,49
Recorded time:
9,25
